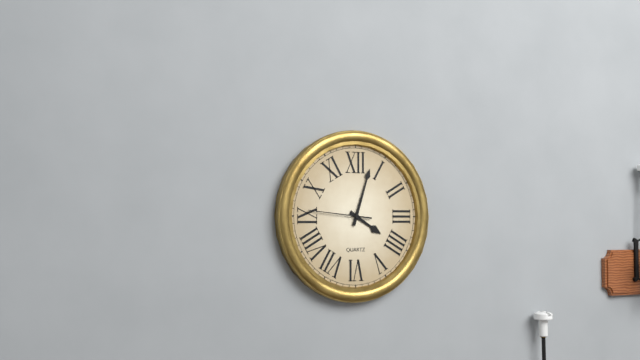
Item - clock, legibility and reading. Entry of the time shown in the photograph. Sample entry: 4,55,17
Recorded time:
4,03,46
